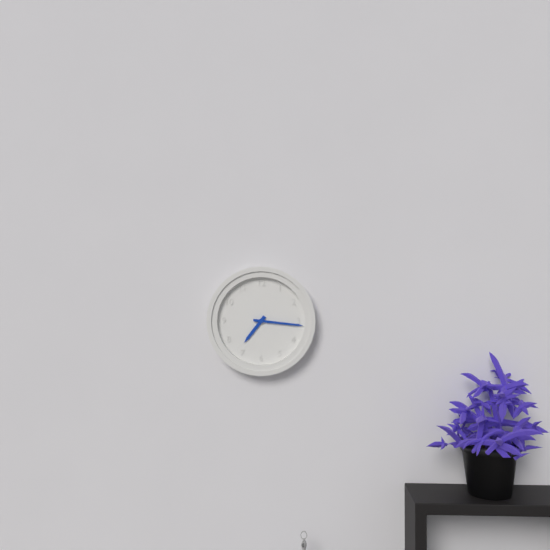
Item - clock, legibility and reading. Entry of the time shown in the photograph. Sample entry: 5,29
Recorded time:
7,16
